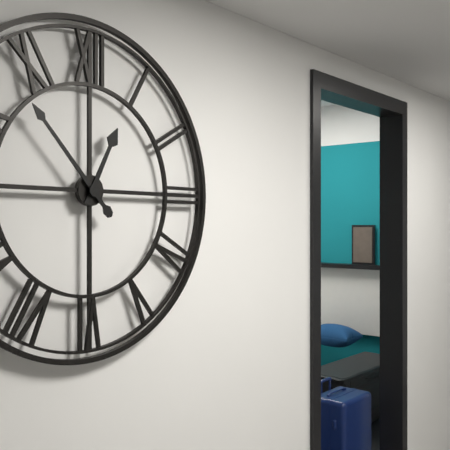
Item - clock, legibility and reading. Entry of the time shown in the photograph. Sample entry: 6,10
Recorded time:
12,53
